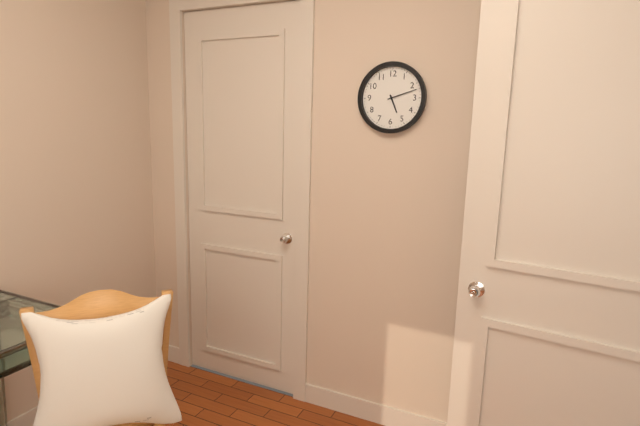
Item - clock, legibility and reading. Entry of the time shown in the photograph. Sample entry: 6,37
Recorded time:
5,12
